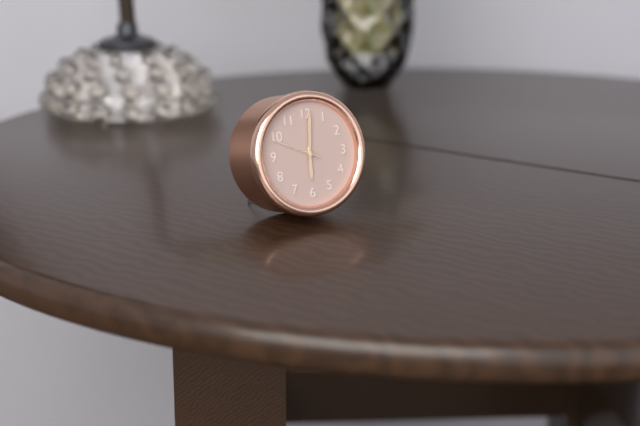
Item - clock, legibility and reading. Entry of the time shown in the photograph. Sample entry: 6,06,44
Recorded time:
6,01,49
